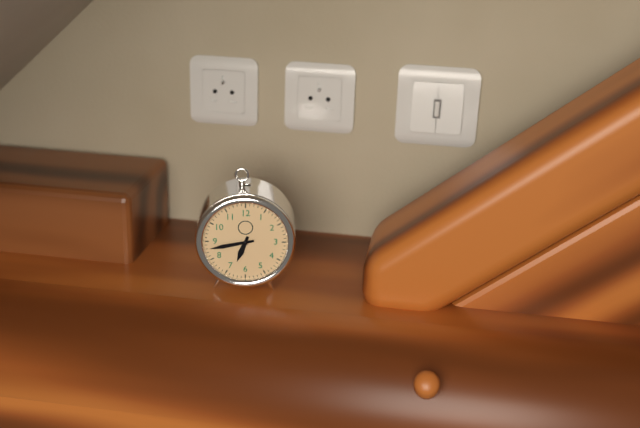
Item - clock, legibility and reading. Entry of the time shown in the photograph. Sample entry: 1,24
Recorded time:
6,43
